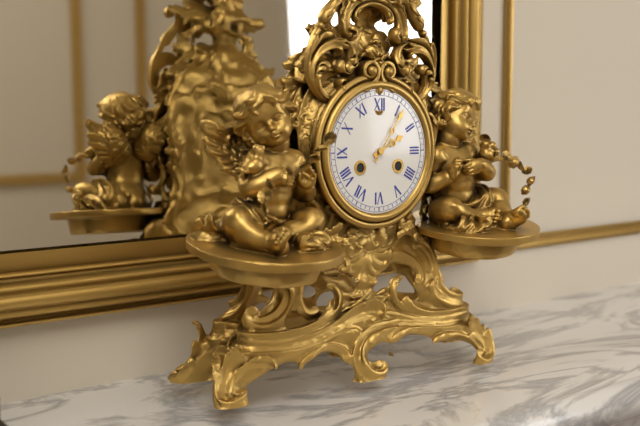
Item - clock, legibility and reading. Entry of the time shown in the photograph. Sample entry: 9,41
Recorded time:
2,06
